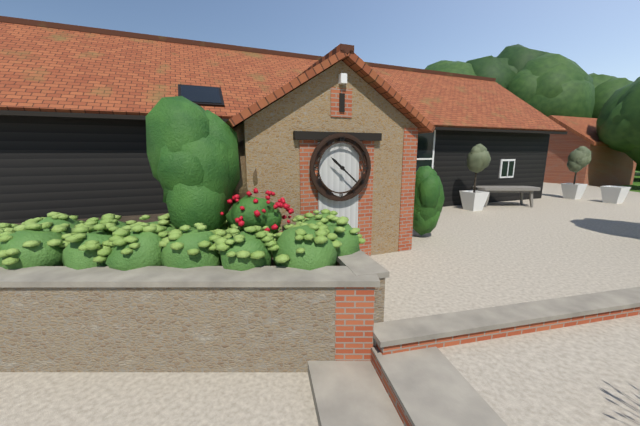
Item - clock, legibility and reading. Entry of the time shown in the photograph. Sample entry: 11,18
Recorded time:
10,22
